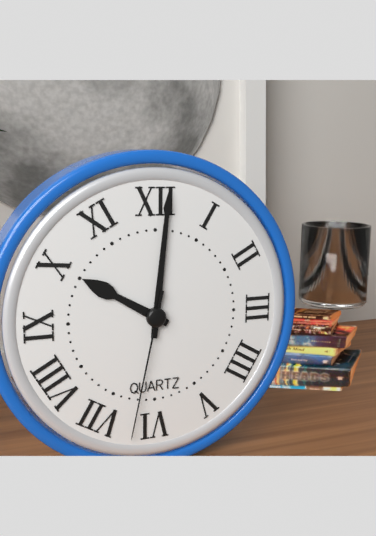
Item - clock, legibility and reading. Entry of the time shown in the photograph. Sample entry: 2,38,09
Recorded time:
10,01,32
